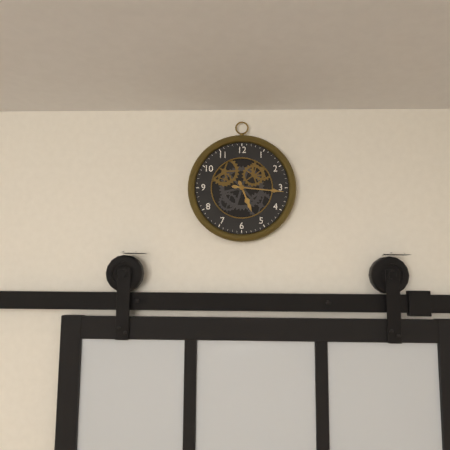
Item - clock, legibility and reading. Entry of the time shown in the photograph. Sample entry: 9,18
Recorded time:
5,16
